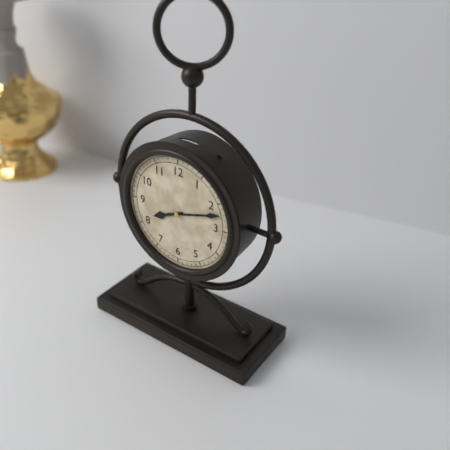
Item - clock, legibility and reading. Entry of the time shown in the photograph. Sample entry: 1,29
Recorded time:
8,12
